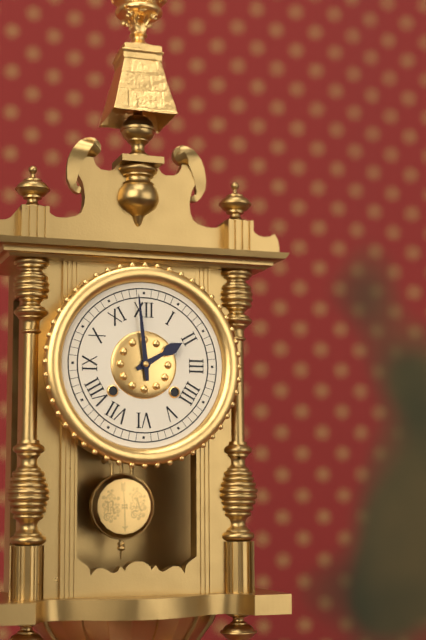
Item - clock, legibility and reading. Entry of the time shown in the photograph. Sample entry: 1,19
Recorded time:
1,59
